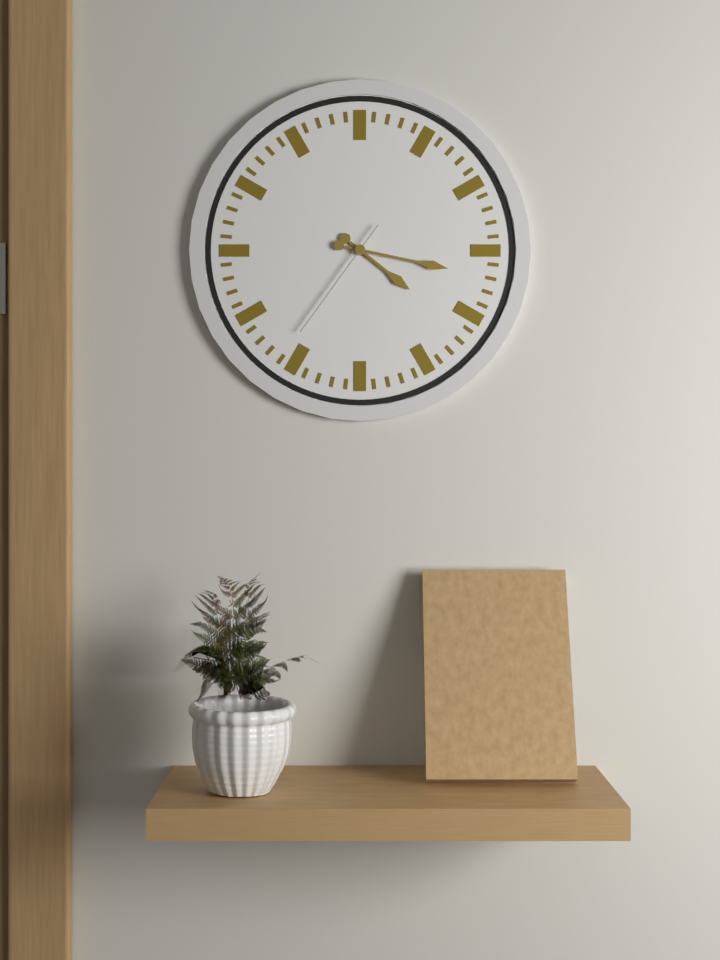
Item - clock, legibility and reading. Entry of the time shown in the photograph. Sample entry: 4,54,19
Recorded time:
4,17,36
